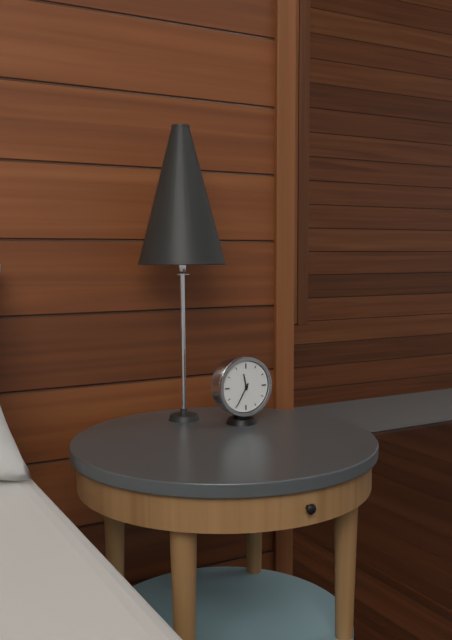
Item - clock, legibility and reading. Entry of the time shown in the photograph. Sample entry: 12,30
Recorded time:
11,35
